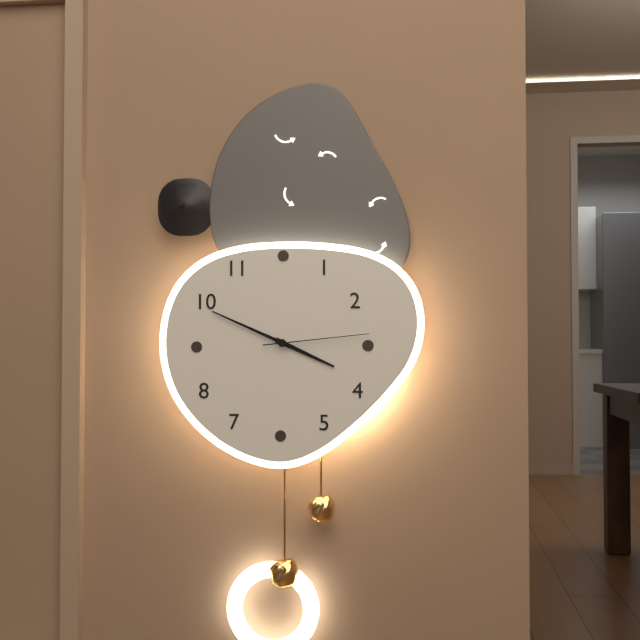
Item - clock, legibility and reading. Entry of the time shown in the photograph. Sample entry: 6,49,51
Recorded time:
3,49,14
